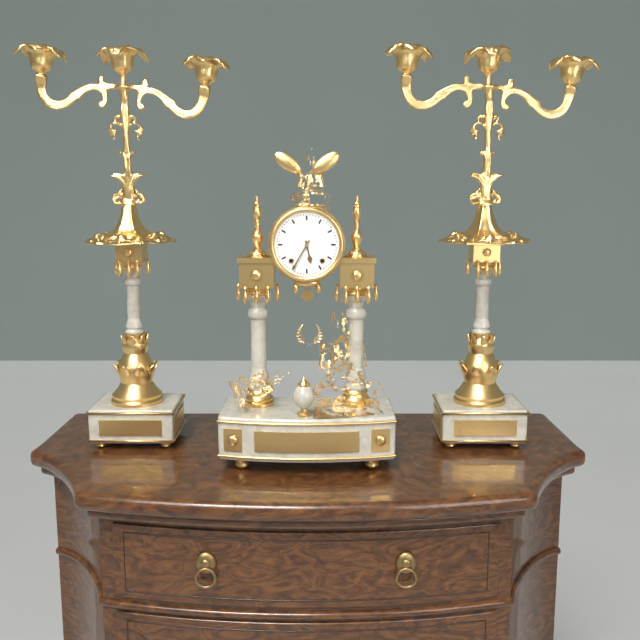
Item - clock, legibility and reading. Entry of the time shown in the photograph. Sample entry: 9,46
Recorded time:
5,35
